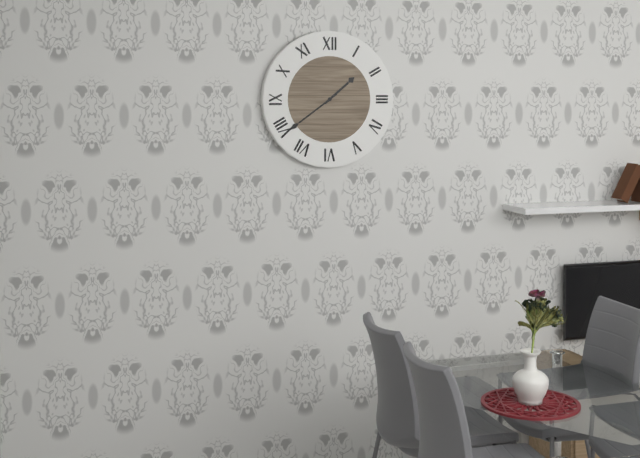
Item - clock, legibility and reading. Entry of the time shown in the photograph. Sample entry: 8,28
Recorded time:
1,39
